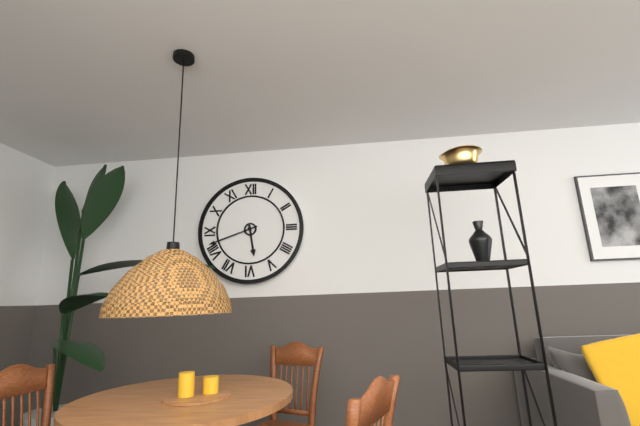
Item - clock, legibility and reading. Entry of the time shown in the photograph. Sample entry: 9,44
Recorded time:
5,42
